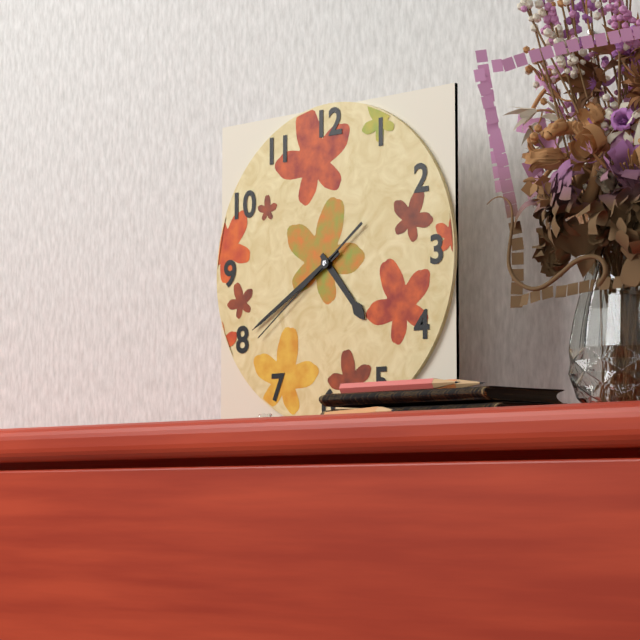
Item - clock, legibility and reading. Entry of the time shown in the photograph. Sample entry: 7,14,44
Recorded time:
4,40,39
